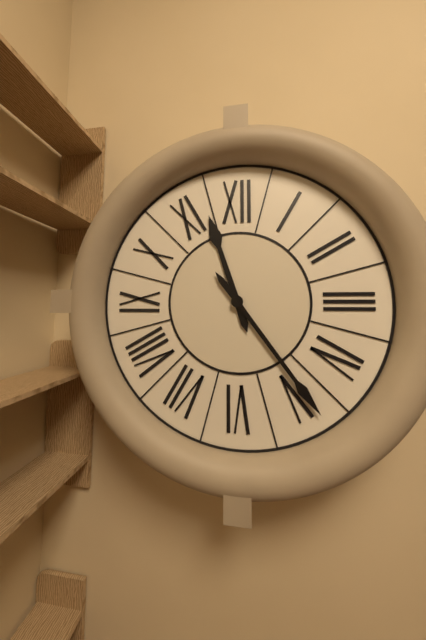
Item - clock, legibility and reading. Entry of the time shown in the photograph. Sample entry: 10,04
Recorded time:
11,24
